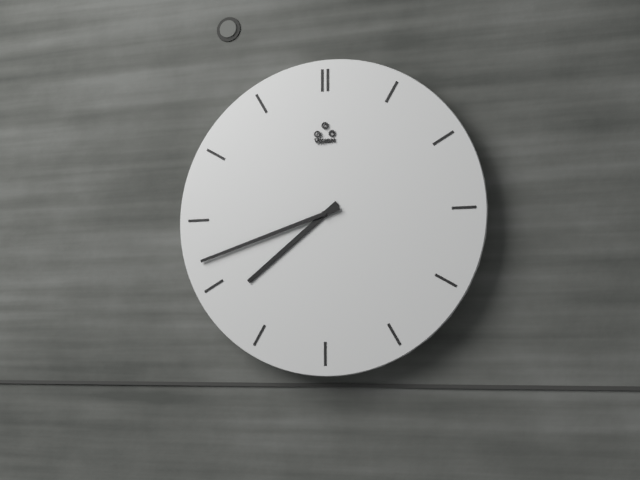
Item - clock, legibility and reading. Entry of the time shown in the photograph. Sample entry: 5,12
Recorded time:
7,42
